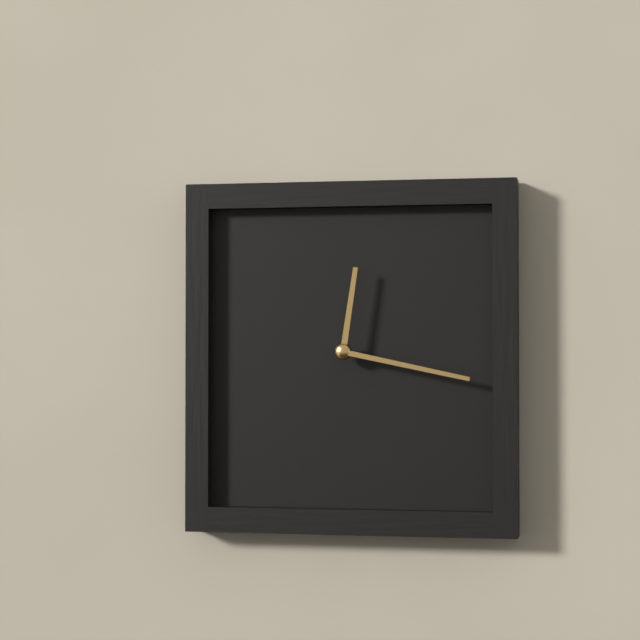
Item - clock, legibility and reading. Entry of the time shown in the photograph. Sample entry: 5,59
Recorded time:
12,17
